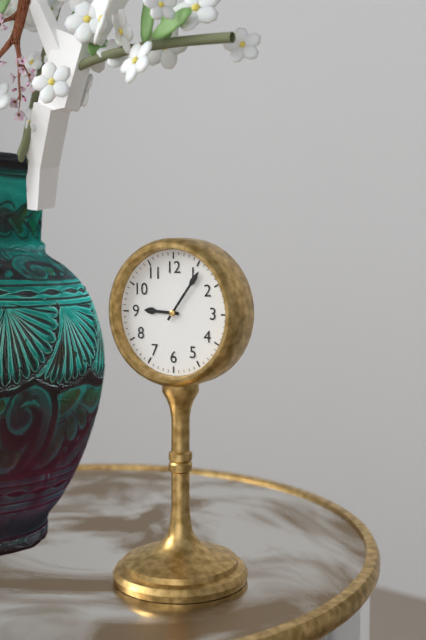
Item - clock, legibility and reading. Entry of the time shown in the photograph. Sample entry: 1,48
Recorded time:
9,06
